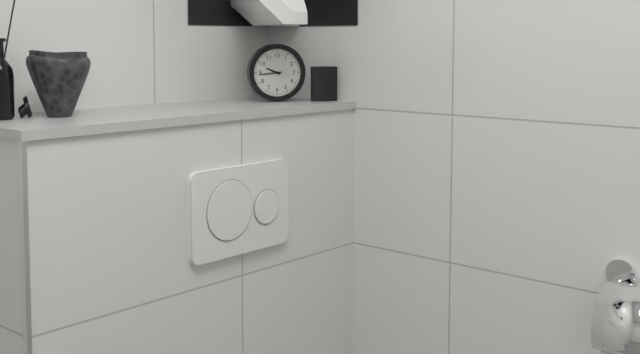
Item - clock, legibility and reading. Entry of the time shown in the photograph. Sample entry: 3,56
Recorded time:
9,44
